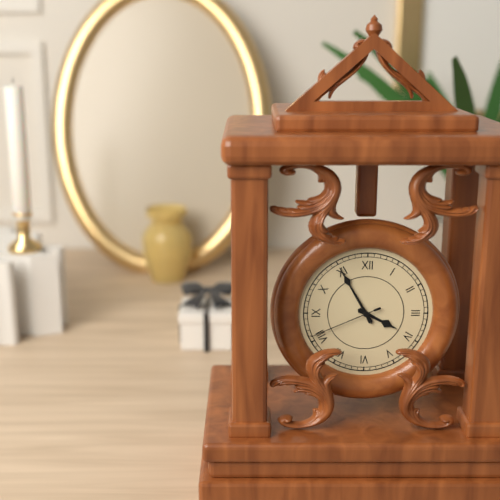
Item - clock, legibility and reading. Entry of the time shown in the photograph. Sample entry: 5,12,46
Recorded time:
3,55,41
